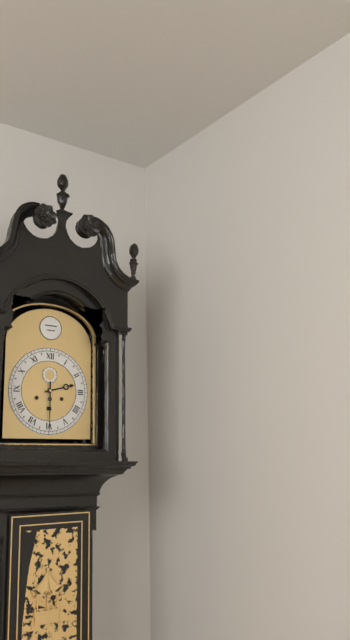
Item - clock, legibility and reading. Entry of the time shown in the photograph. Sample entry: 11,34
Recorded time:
2,30
